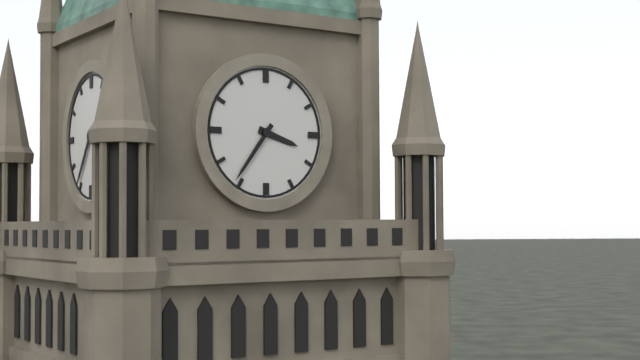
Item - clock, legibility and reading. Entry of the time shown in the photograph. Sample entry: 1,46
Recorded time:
3,36
